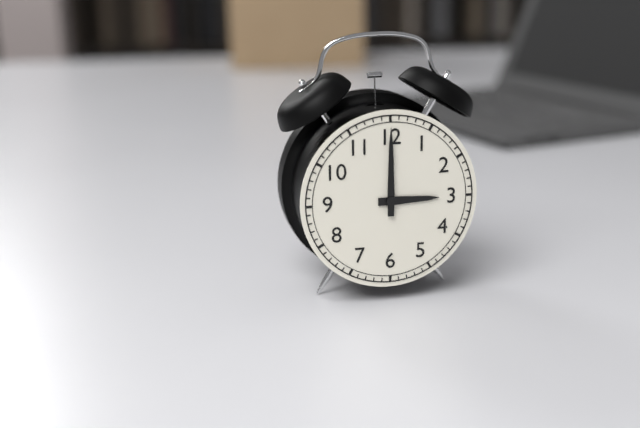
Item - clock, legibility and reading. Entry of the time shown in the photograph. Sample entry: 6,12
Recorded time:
3,00
